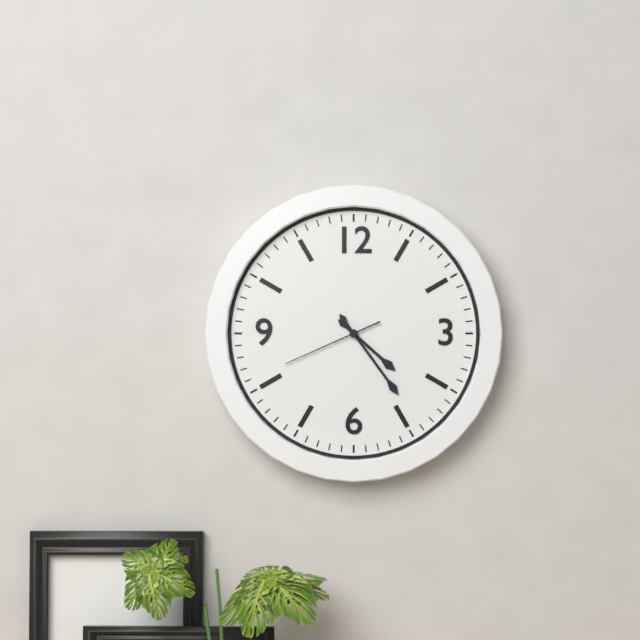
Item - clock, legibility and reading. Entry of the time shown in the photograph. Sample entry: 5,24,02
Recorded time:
4,24,41
